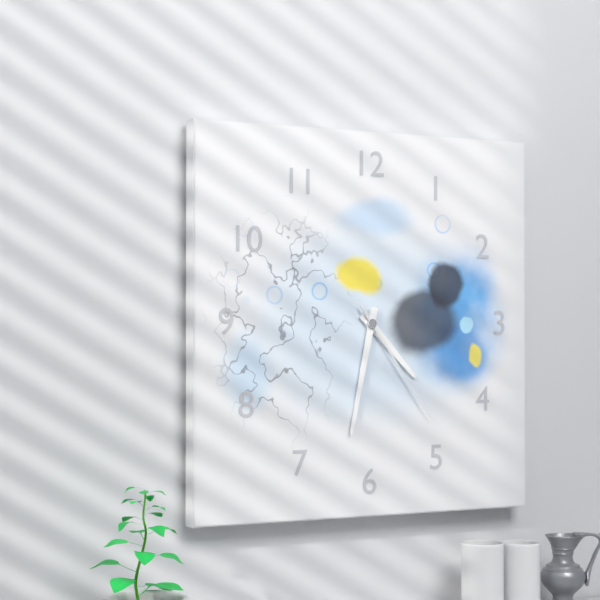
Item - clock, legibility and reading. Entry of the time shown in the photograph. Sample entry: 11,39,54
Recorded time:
4,32,24
